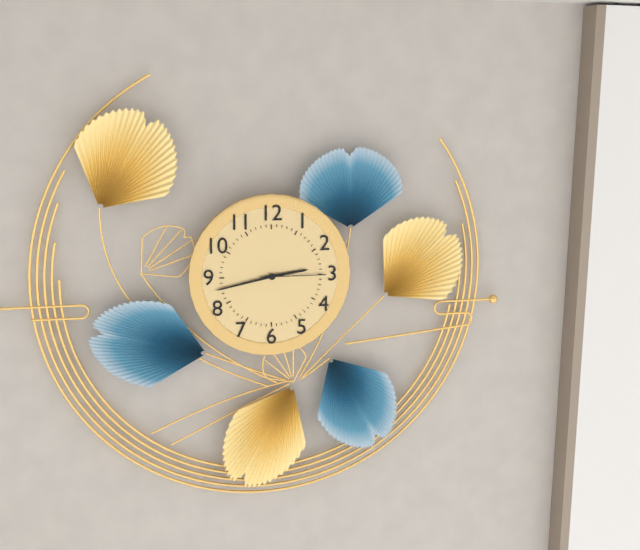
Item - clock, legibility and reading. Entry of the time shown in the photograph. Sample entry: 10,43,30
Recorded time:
2,43,15
